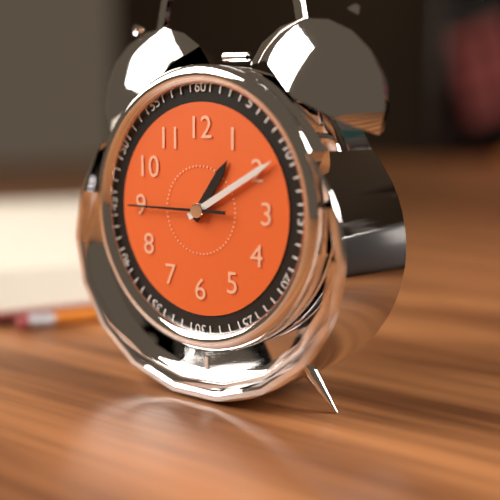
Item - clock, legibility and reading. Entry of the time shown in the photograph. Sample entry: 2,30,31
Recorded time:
1,10,45
